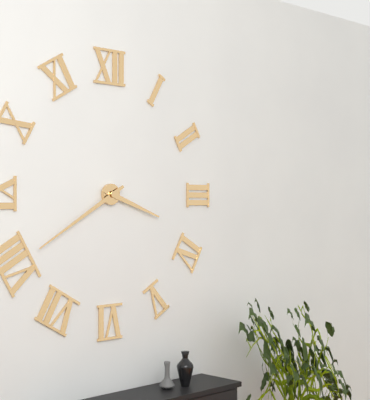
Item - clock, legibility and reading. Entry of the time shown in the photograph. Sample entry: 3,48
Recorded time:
3,40
